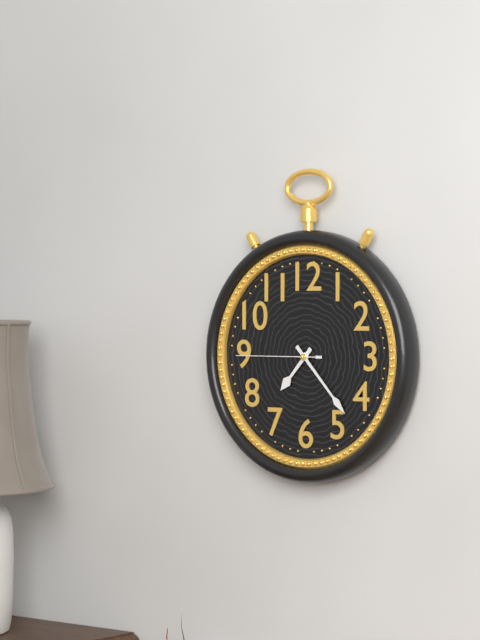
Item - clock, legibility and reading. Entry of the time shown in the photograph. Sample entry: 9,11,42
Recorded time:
7,23,45
